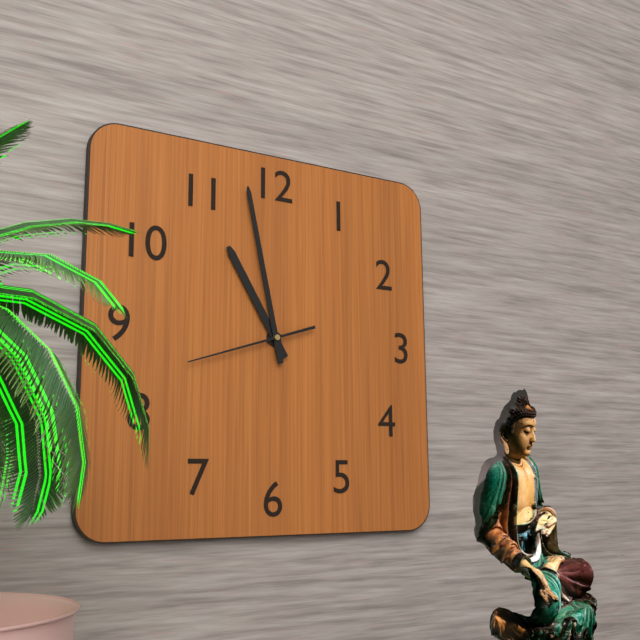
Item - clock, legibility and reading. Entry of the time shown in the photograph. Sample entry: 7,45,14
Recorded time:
10,58,42
